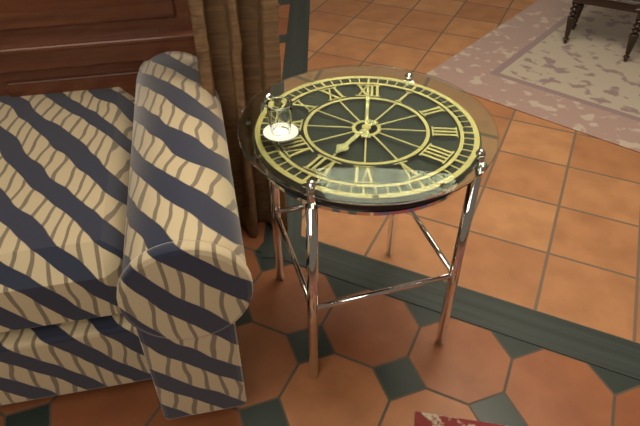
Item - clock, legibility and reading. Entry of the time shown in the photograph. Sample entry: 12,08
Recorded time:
7,00
